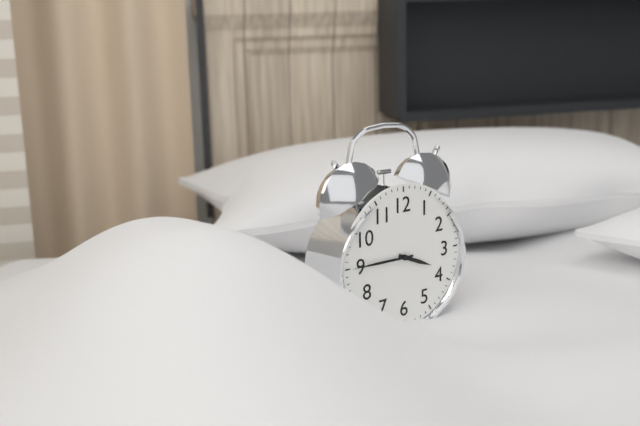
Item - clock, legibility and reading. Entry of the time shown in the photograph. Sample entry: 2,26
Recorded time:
3,45
